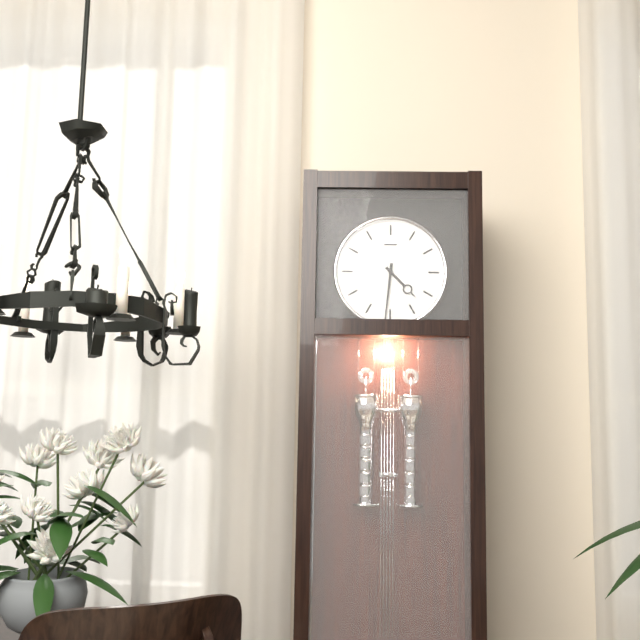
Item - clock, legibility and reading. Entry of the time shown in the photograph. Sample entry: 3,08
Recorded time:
4,31
